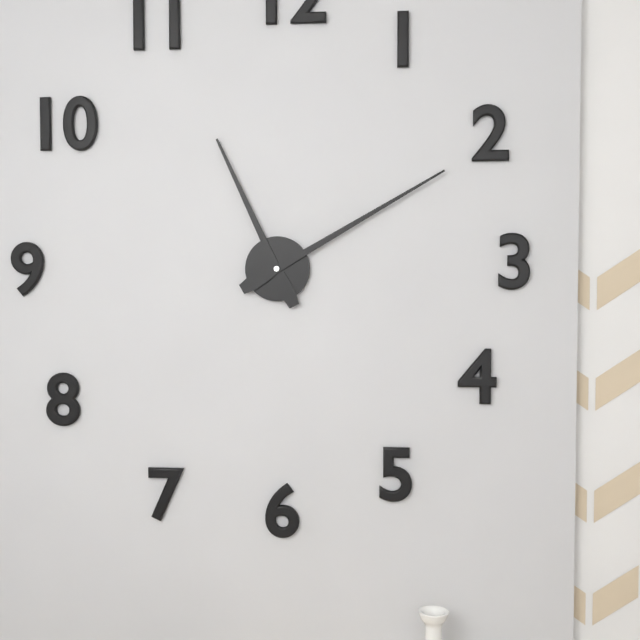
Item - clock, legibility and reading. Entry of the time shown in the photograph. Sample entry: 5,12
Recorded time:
11,10
